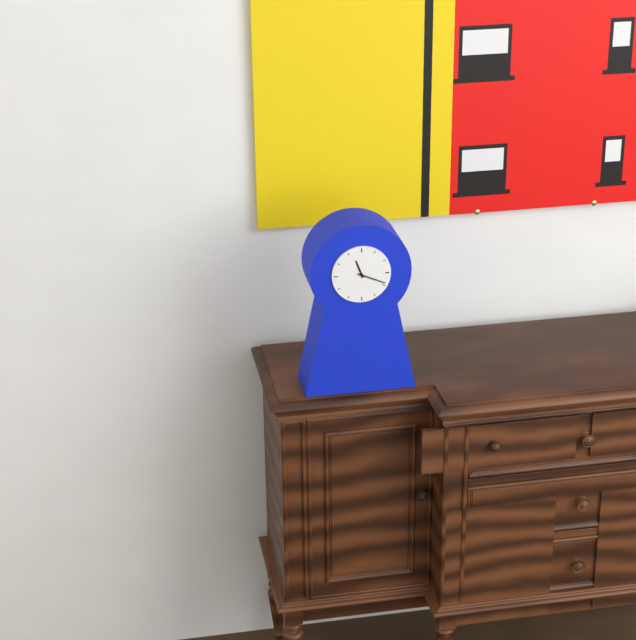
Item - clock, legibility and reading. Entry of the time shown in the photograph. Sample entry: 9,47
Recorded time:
11,19
